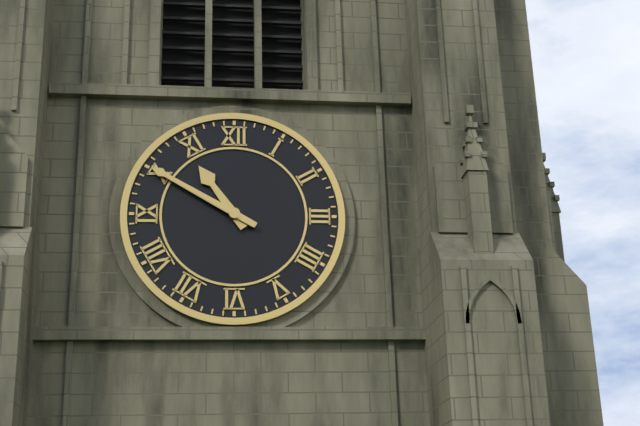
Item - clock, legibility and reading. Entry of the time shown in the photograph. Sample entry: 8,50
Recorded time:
10,50
